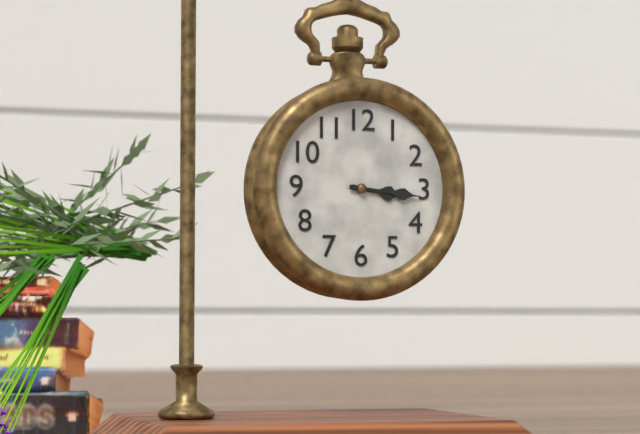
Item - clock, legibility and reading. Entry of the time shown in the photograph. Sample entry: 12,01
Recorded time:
3,16
